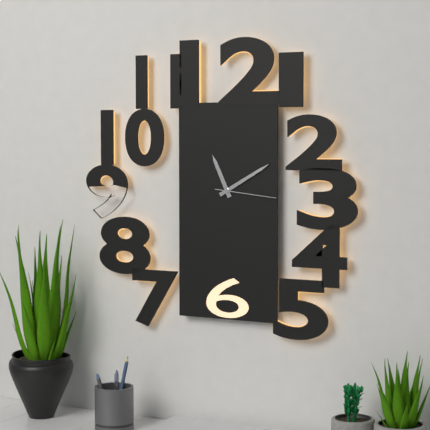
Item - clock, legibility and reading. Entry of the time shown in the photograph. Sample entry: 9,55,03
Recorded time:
11,10,16
